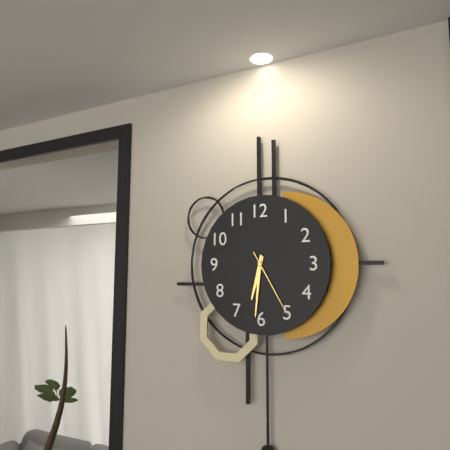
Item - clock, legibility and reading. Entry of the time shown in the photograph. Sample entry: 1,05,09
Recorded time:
6,31,25
